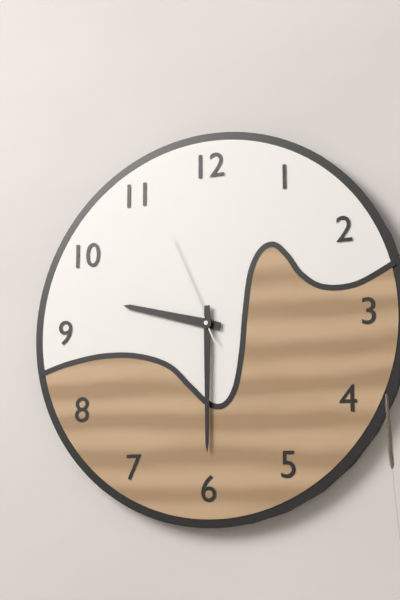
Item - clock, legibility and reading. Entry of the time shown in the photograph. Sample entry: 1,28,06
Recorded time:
9,30,56
